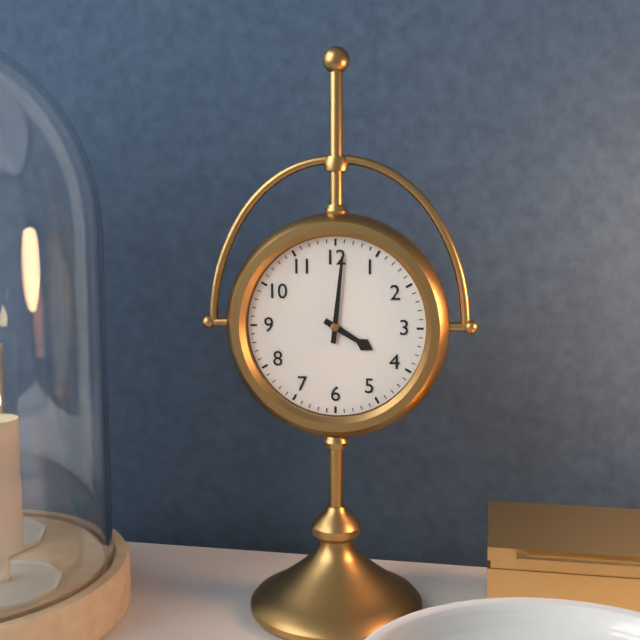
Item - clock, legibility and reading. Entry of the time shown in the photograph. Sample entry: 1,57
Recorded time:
4,01
